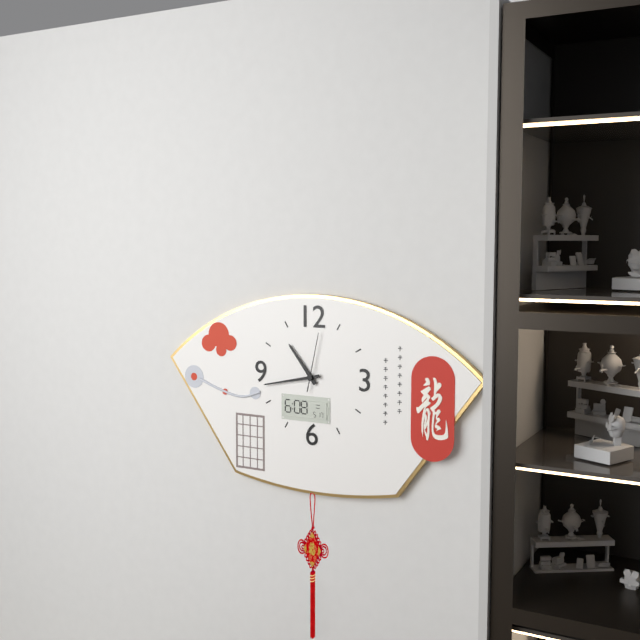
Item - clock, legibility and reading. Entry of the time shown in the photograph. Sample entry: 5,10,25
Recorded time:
10,43,02
